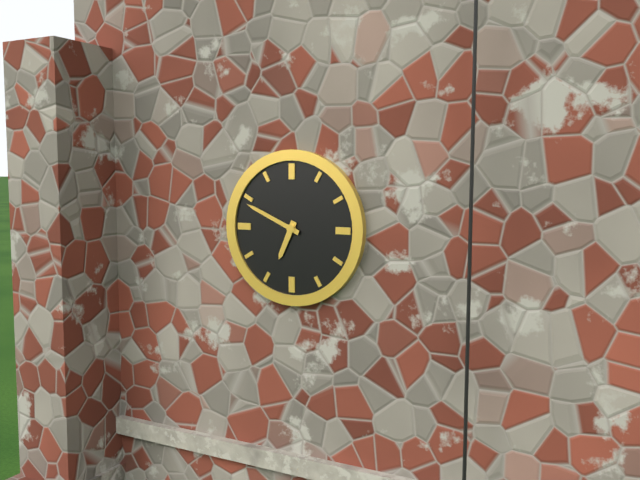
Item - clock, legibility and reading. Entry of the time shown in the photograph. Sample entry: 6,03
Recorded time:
6,49
